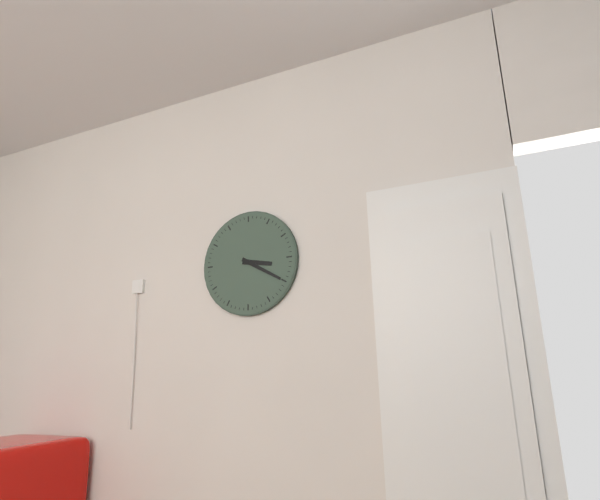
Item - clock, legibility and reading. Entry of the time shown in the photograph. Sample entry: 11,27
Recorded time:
3,20
